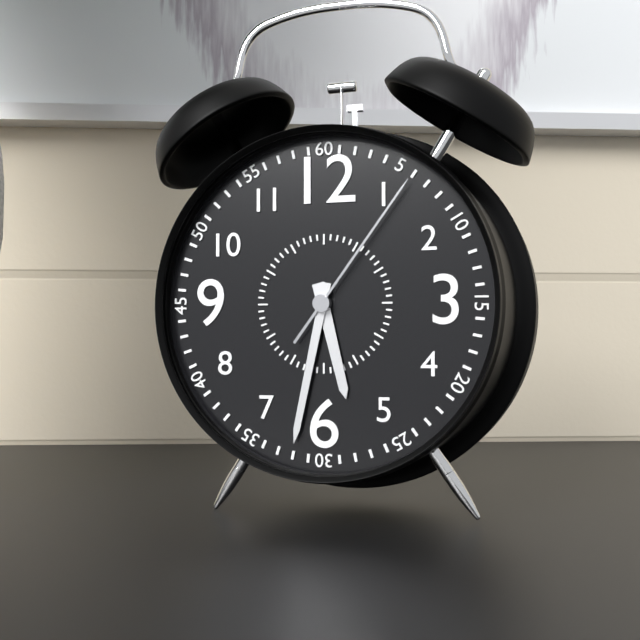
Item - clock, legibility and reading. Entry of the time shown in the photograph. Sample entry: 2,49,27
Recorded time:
5,32,06
